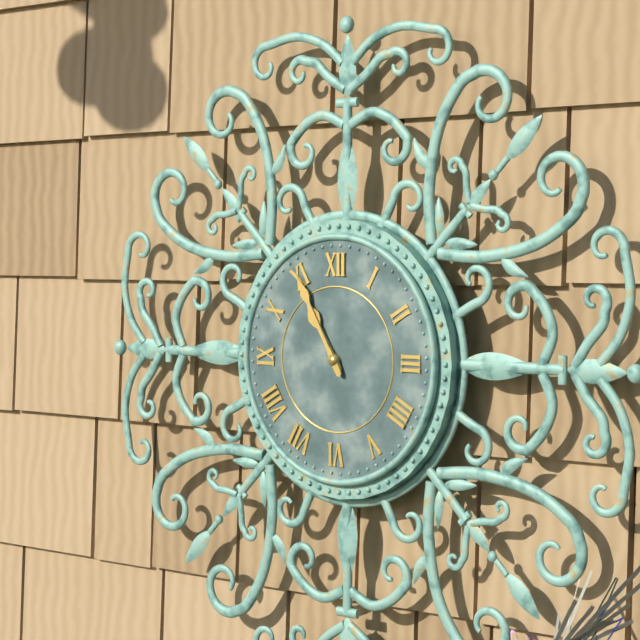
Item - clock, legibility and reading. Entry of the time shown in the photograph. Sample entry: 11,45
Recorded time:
10,55
